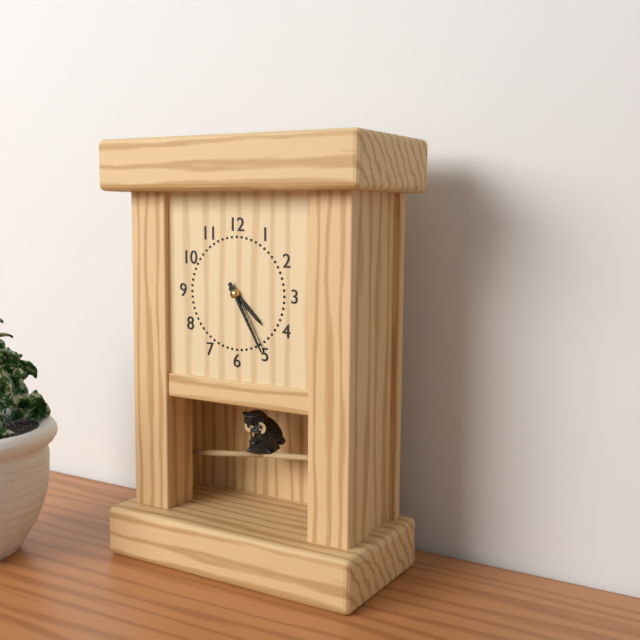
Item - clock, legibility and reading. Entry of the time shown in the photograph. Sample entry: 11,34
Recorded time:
4,25
